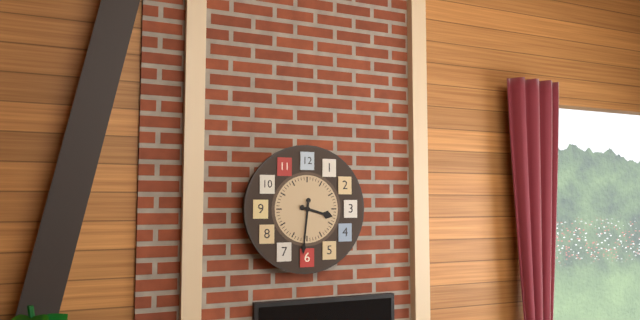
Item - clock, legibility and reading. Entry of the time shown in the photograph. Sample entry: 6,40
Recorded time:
3,31
